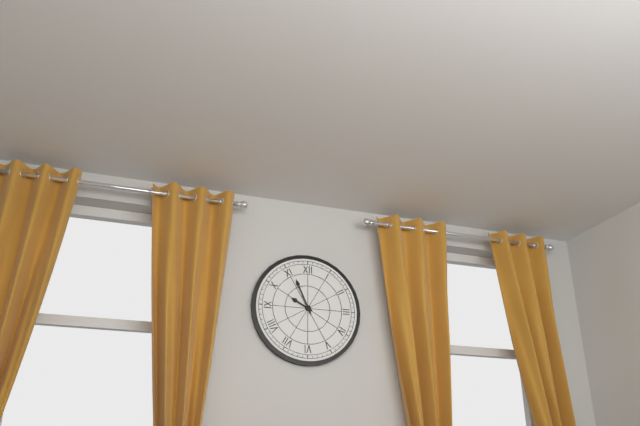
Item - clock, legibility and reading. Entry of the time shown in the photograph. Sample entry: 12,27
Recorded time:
9,56
